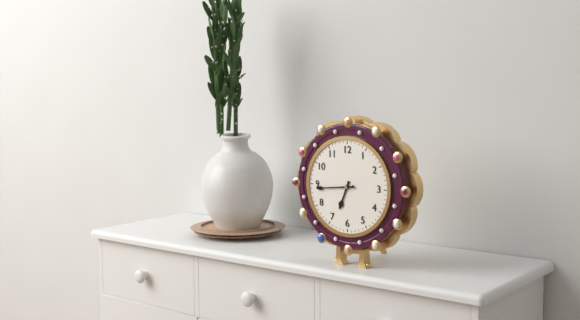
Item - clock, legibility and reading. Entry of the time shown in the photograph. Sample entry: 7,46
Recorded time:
6,44
